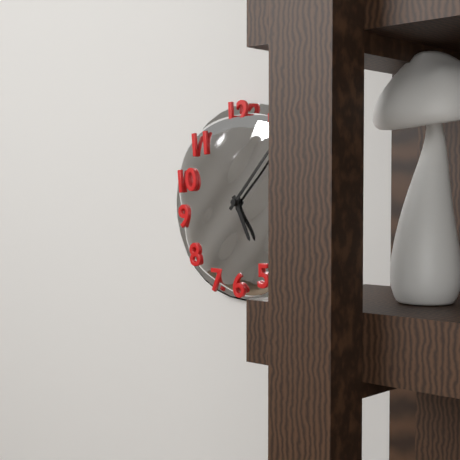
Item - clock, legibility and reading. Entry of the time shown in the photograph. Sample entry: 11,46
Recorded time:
5,07
